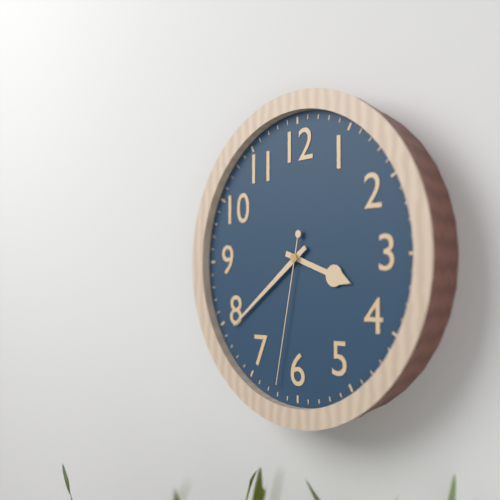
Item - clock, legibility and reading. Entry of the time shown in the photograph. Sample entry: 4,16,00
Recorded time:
3,39,32
